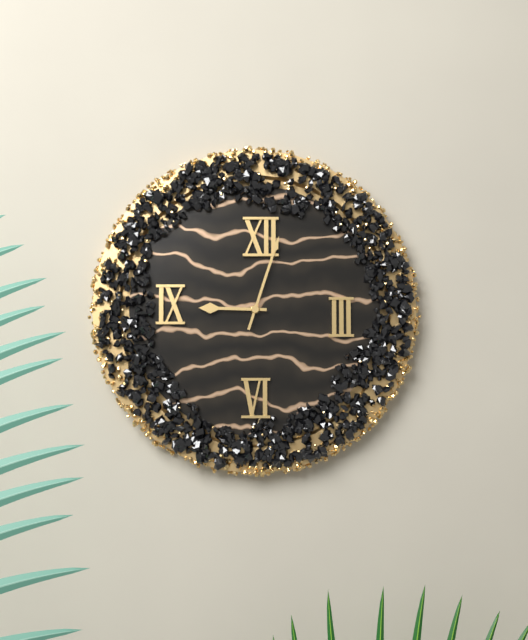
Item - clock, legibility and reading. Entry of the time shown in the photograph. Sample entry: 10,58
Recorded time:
9,03
